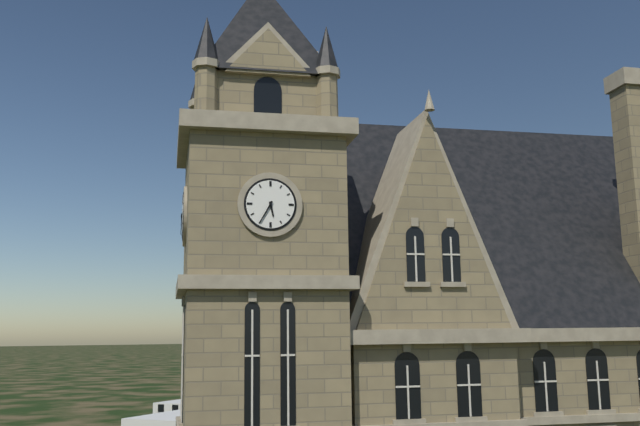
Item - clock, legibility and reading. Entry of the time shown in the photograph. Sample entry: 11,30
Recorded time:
5,35
